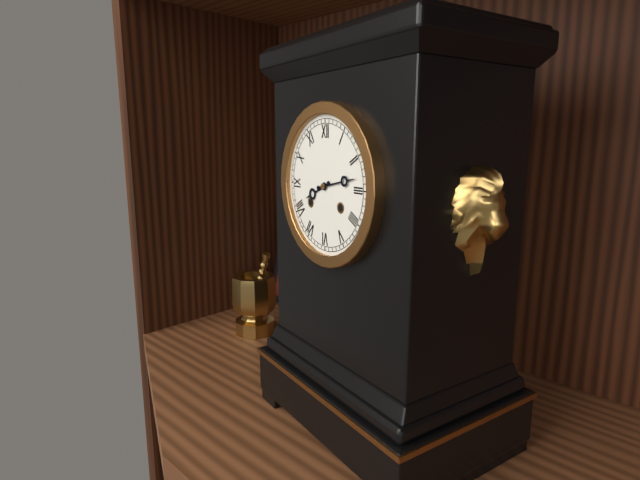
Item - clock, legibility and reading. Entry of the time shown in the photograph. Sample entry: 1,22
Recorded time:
8,13
